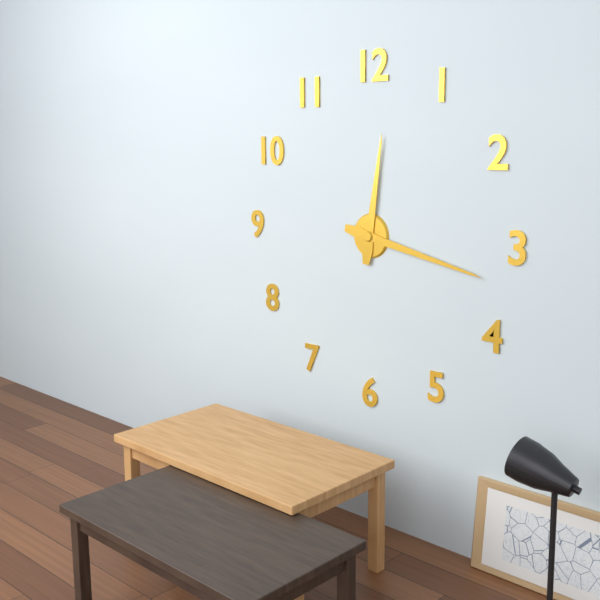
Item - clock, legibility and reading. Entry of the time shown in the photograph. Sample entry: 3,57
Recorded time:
12,17
